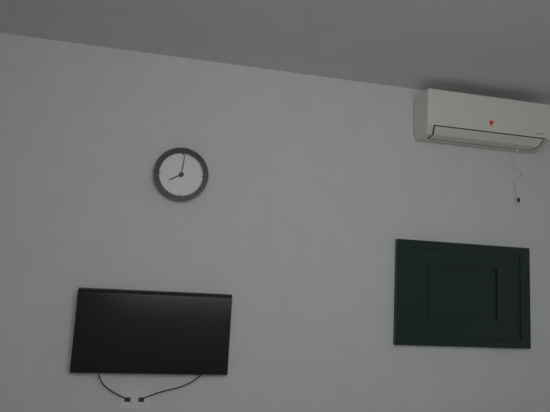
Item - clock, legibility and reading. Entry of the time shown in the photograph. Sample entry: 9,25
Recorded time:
8,01
